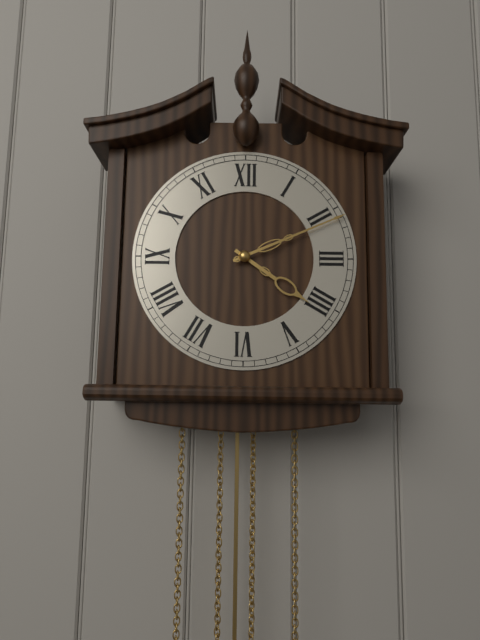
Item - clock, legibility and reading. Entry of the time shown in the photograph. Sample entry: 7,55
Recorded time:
4,11
